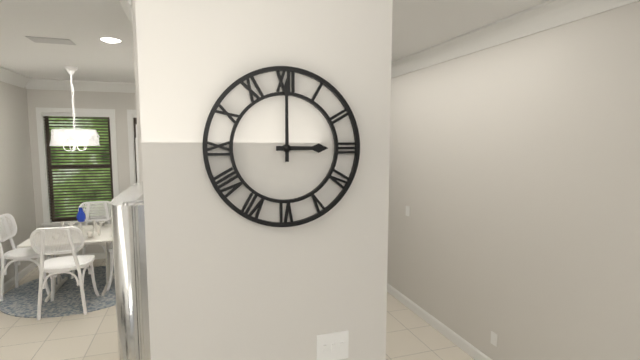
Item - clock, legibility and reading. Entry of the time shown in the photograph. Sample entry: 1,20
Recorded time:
3,00
